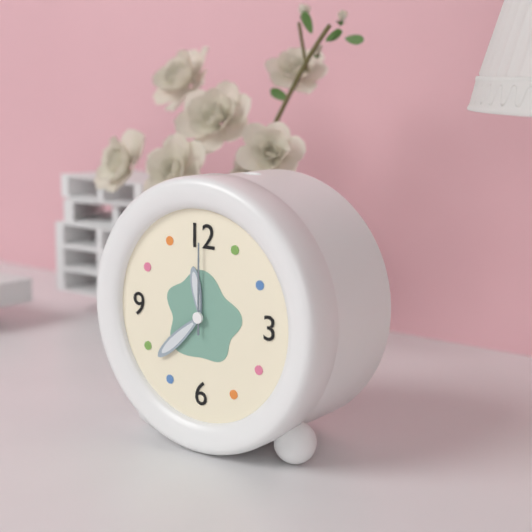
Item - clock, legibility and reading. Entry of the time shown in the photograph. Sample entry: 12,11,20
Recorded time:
11,38,00
